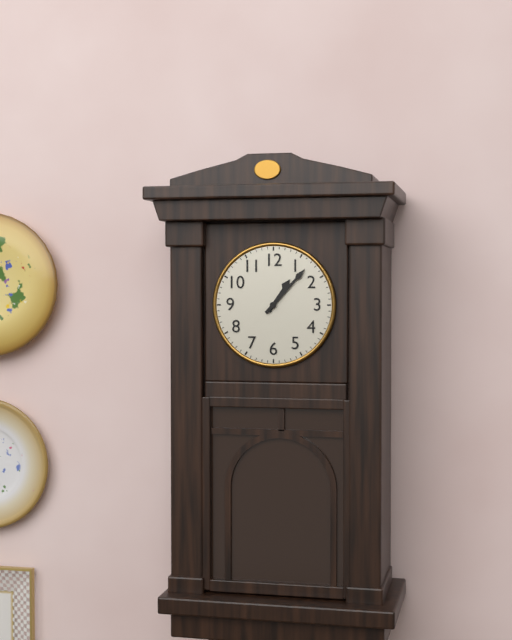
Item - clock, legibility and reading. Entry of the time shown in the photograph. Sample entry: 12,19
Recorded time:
1,07
